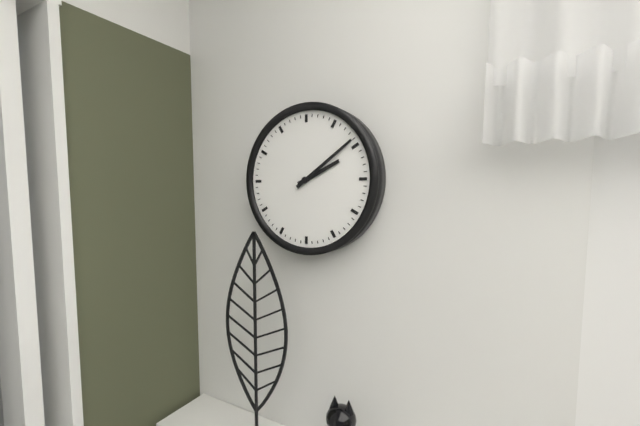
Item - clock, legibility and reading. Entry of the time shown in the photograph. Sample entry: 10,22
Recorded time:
2,09
